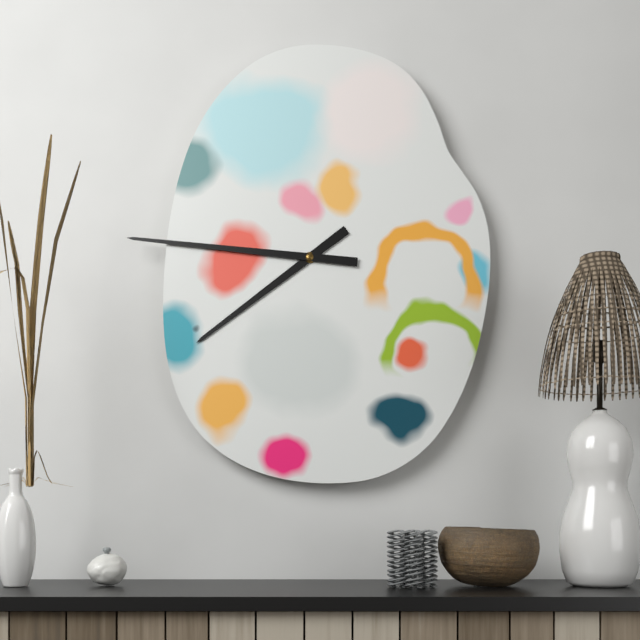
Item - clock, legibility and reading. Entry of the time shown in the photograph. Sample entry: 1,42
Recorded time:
7,46
